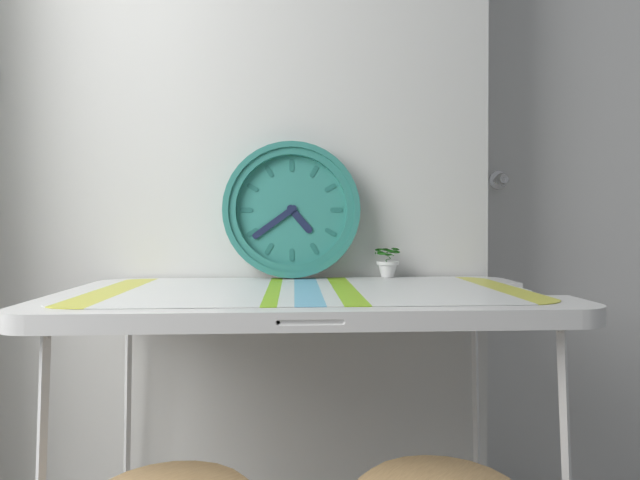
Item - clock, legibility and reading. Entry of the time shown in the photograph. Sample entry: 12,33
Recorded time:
4,39
